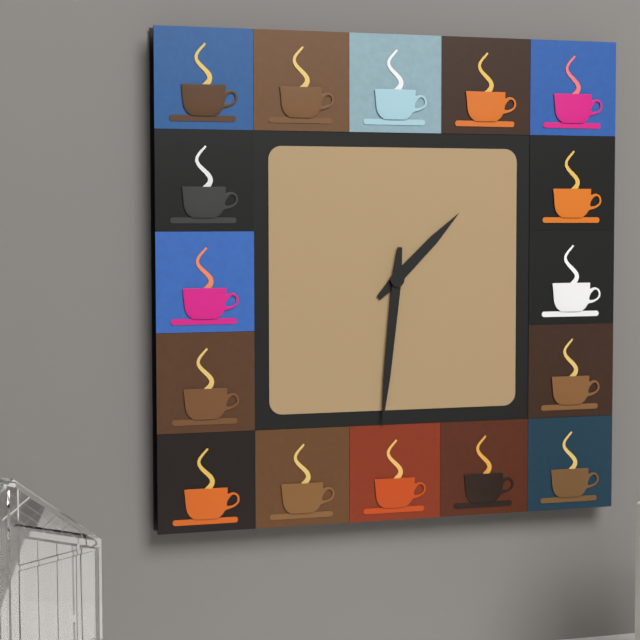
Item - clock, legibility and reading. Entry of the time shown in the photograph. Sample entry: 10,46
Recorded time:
1,31
